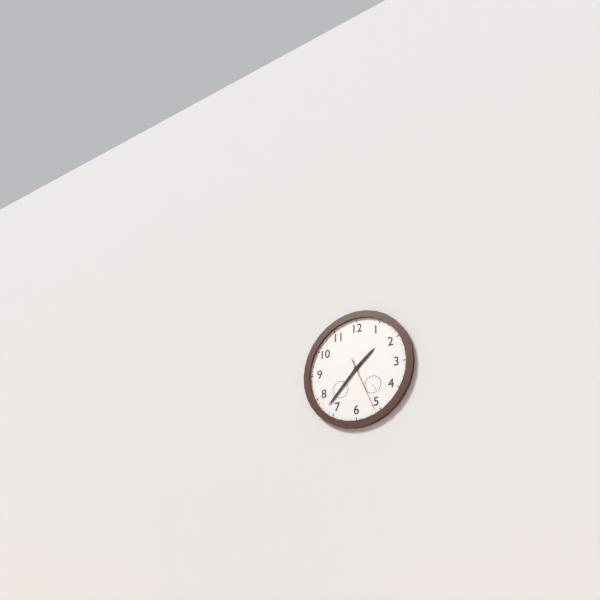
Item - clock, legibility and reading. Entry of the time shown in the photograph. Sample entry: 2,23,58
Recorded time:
1,37,26
